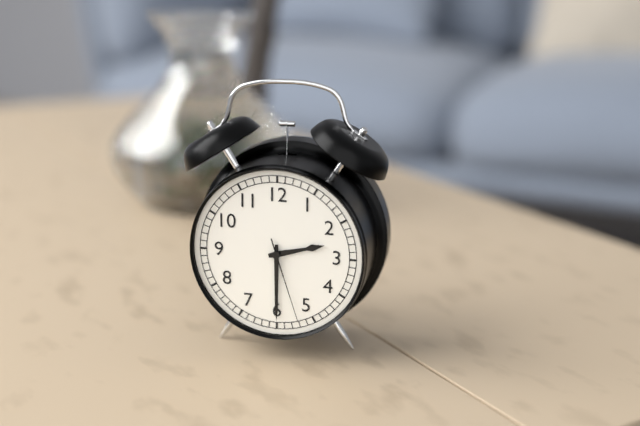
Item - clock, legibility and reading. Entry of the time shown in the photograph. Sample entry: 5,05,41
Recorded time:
2,30,27
